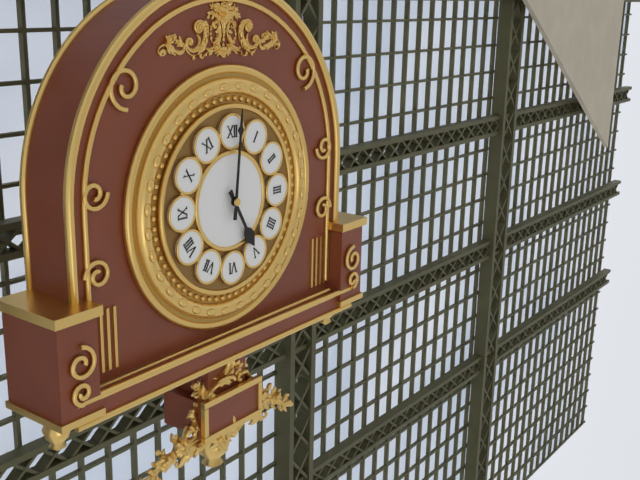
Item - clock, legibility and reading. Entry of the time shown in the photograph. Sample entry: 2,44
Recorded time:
5,01
